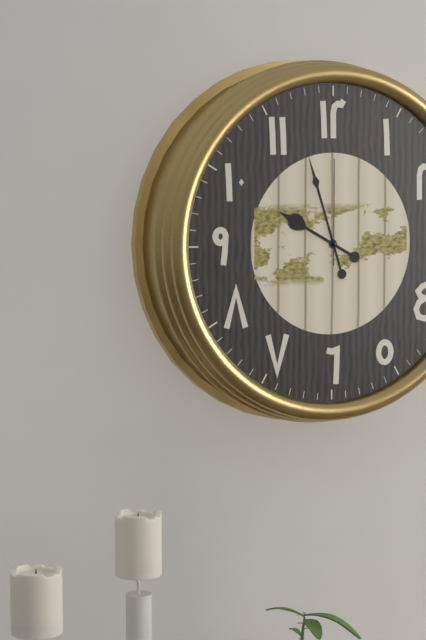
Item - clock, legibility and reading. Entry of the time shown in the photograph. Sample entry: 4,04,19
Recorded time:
9,57,00
